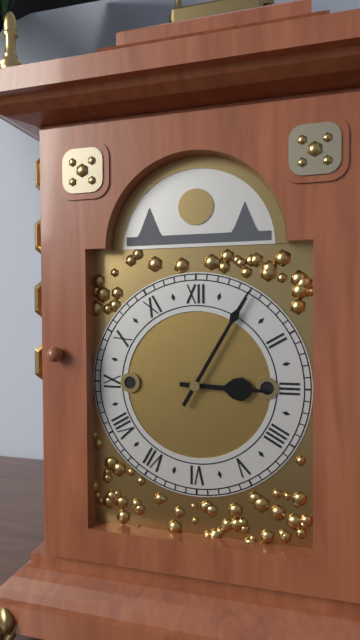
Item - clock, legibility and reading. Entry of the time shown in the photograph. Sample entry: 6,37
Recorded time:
3,05
